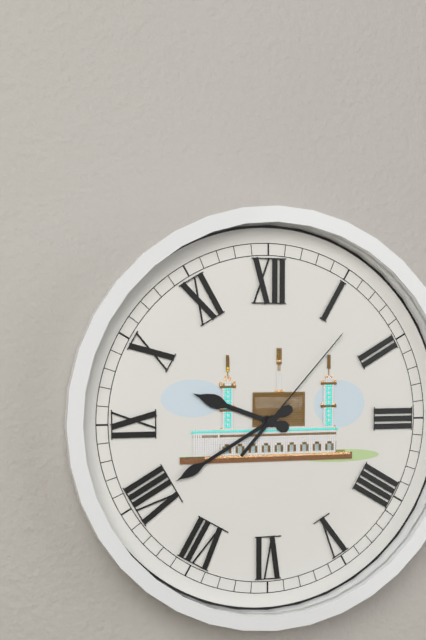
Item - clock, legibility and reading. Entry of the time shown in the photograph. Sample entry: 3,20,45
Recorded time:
9,40,07
